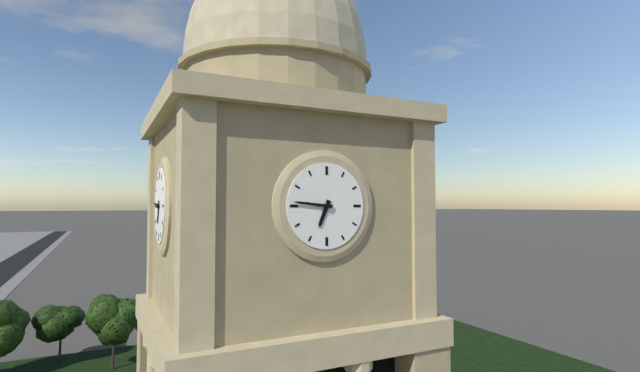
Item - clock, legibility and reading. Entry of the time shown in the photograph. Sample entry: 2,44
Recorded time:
6,46
